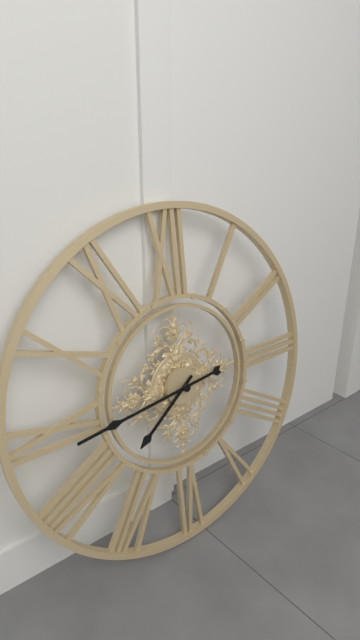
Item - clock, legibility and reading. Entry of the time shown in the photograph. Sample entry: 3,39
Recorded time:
7,44
